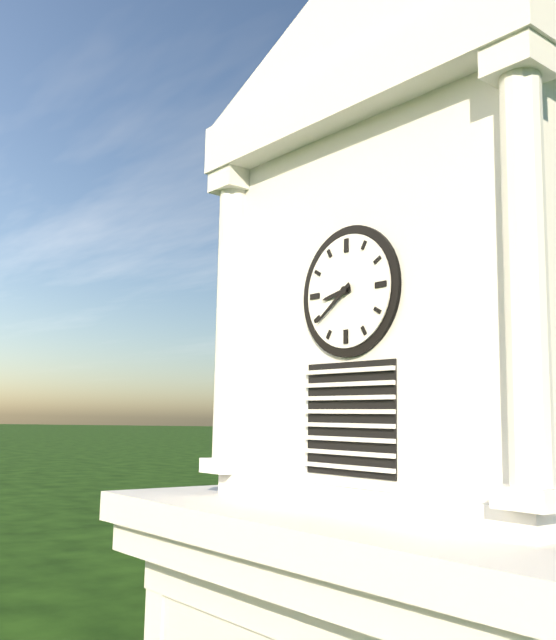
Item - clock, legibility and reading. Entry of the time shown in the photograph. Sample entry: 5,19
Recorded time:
8,39
